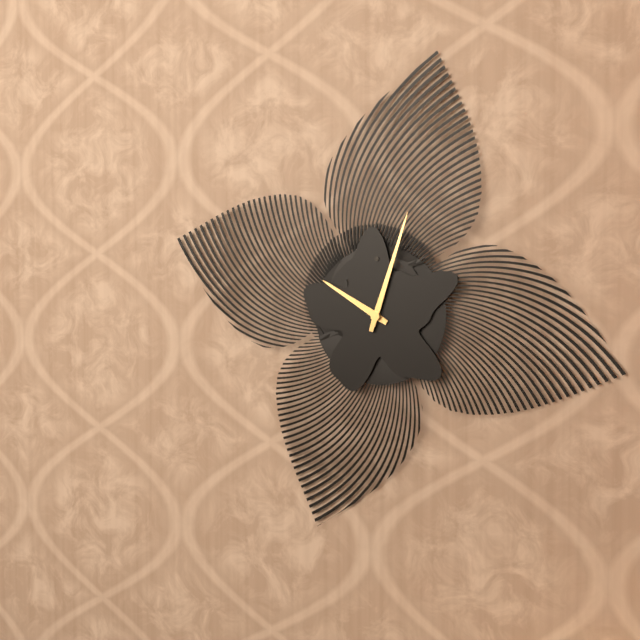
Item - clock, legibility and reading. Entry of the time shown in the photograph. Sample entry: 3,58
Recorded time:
10,03
